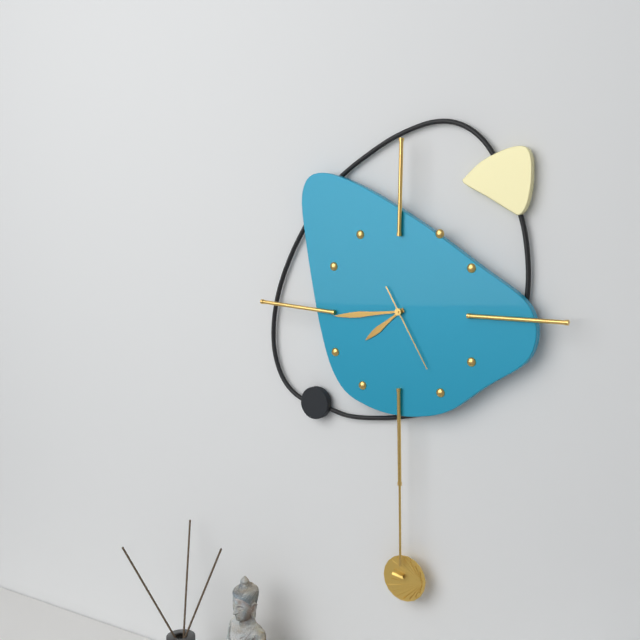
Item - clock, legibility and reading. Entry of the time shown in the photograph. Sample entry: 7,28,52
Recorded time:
7,44,25
